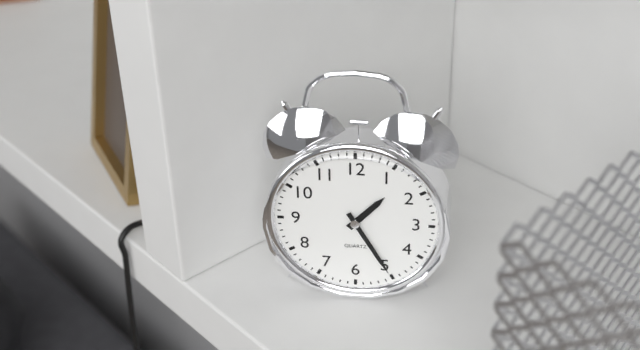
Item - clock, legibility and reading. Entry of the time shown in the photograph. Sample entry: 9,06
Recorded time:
1,25
